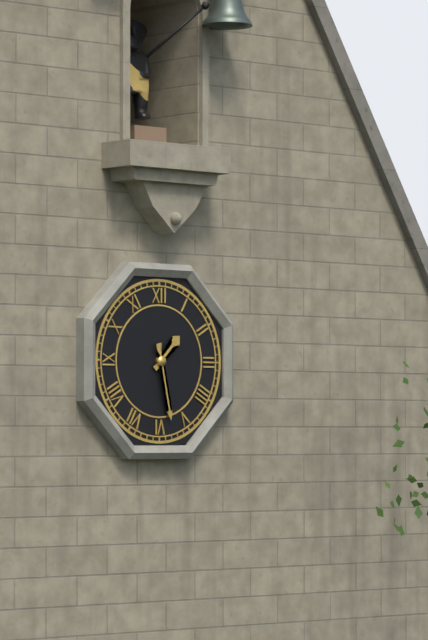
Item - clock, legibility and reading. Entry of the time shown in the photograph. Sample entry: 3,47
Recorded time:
1,28
